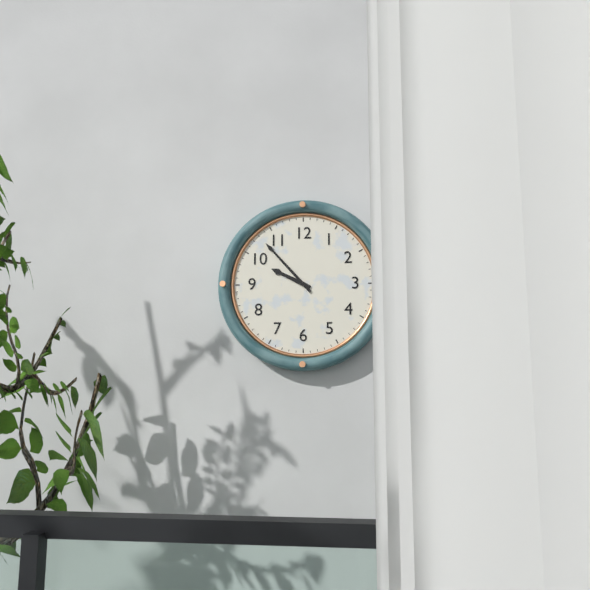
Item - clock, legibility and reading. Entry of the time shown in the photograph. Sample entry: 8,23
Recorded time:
9,53
